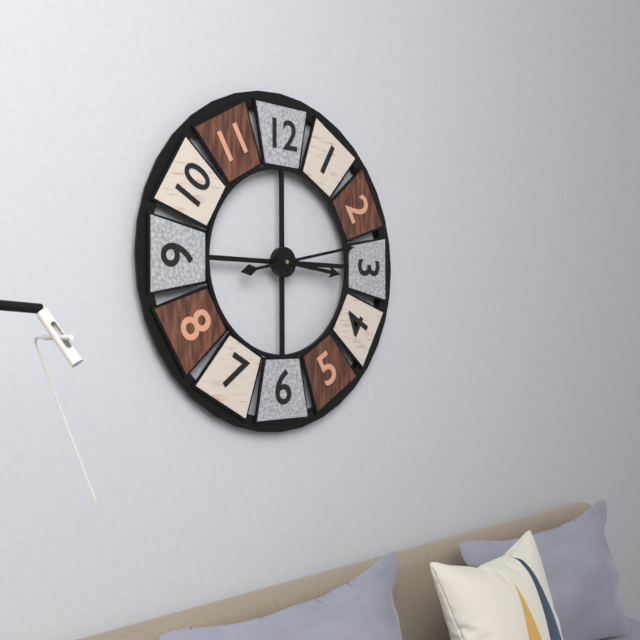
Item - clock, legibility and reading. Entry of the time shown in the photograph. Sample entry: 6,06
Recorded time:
3,13
